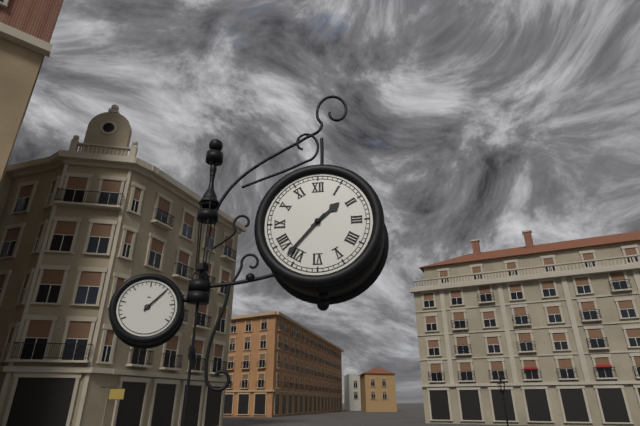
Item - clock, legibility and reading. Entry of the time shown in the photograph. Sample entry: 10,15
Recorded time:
1,37
